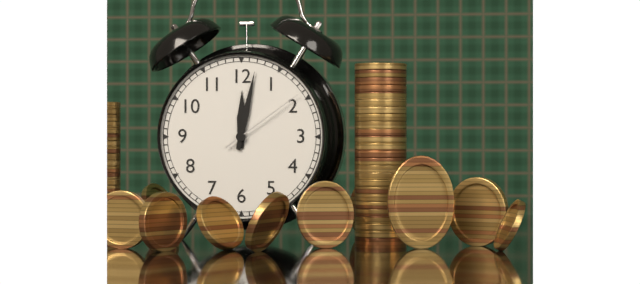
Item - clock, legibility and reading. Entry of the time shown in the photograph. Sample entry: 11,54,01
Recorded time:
12,02,09
